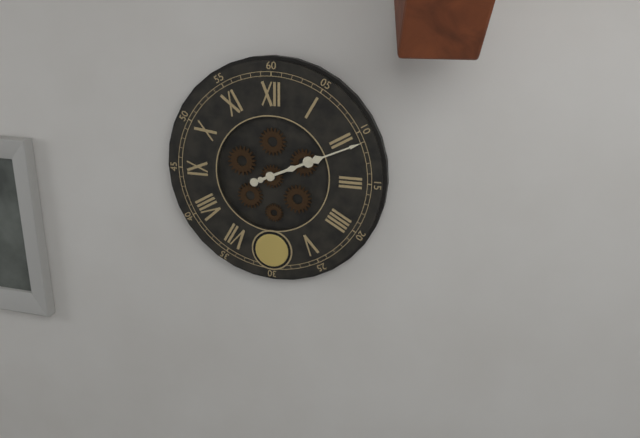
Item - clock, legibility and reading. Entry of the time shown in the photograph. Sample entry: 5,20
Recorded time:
2,11
